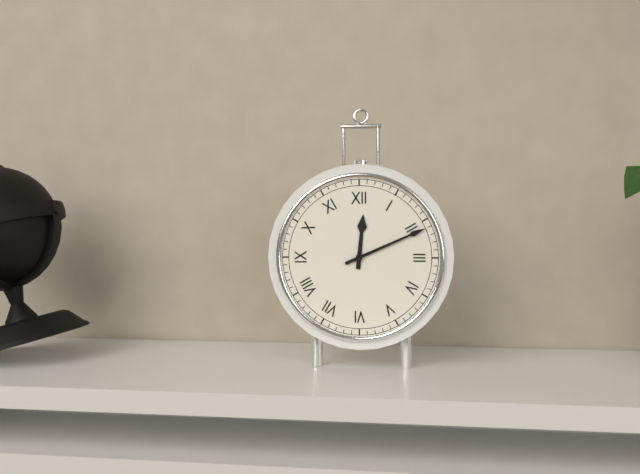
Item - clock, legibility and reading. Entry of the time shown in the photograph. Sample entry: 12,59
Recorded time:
12,11
